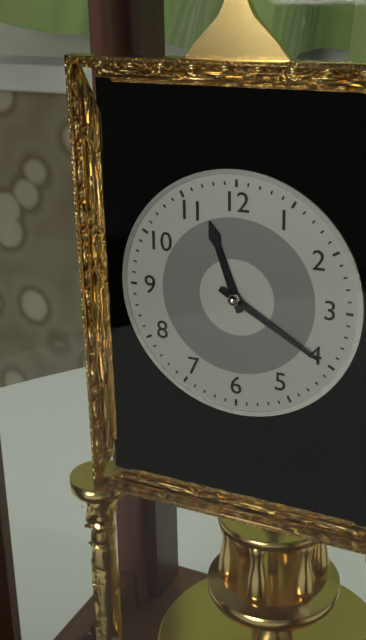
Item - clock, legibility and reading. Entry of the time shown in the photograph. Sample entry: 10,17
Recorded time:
11,20
